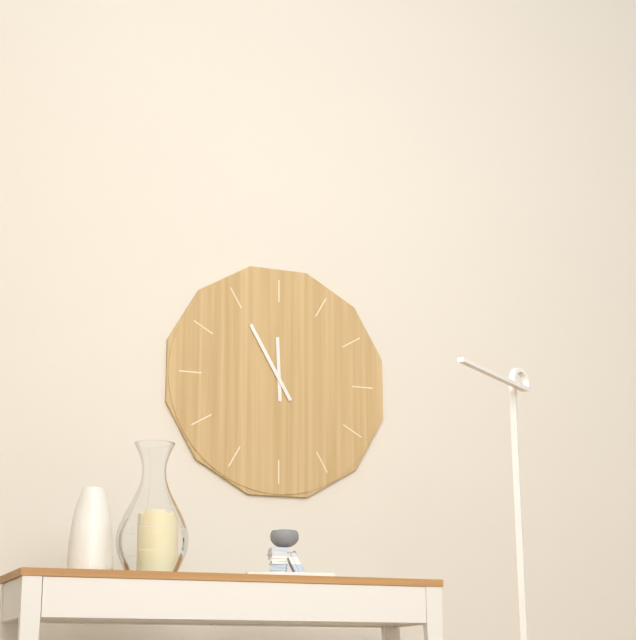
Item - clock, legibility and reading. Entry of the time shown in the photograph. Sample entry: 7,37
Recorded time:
11,55
